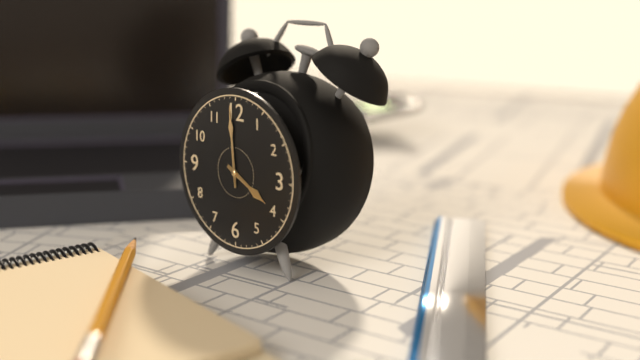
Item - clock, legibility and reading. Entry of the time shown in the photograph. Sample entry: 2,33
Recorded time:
3,59
